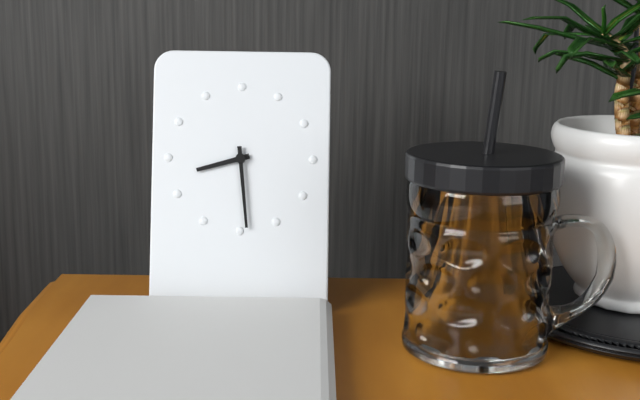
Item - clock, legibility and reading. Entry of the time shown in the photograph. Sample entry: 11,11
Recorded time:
8,29
